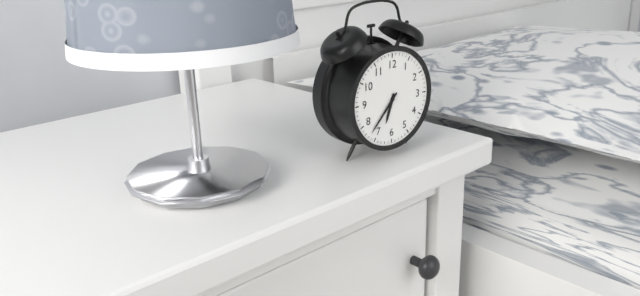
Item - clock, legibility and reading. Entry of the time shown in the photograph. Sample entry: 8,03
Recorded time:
6,37
